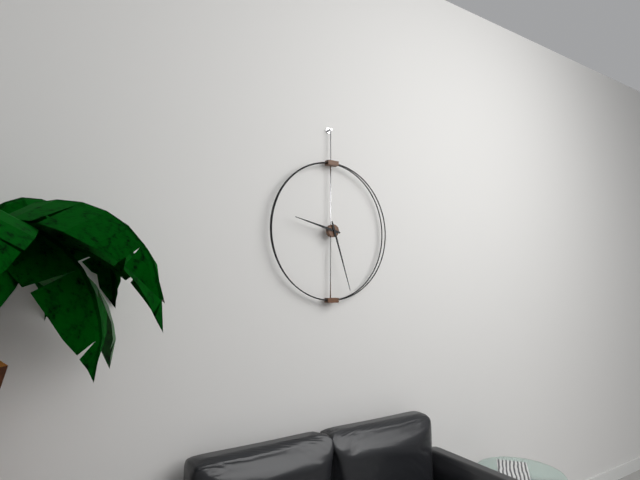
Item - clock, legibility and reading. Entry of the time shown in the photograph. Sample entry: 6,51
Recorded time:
9,27
